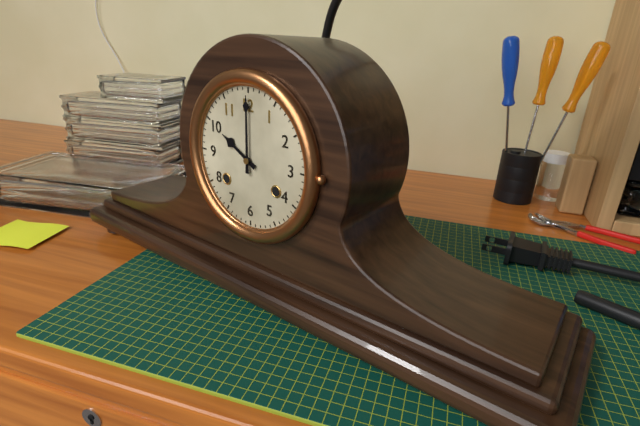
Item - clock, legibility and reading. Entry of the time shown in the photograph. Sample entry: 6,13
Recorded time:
10,00
